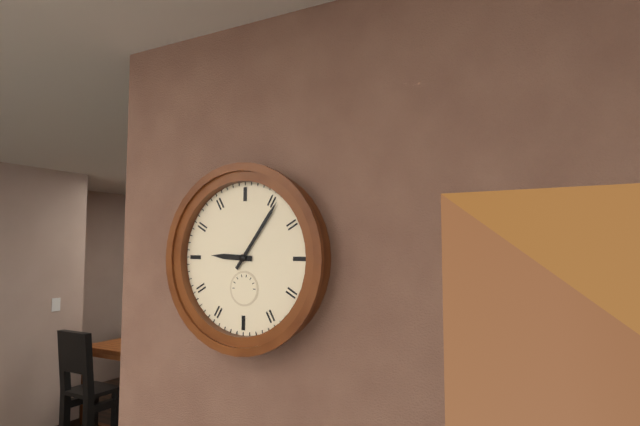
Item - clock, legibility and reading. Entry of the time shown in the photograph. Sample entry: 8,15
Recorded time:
9,06
